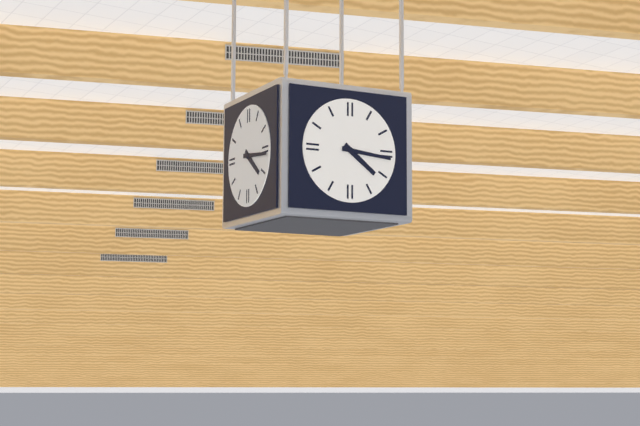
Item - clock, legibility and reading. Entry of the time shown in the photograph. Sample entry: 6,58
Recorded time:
4,16
